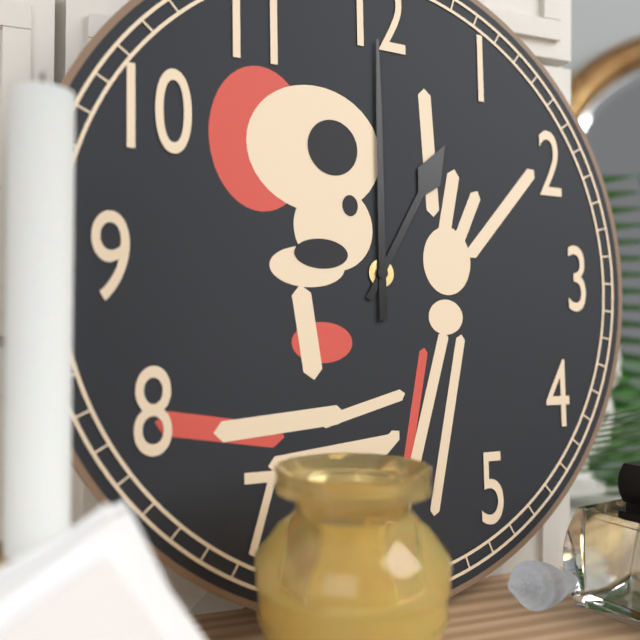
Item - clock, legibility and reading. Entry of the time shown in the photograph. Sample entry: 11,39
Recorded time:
1,00
